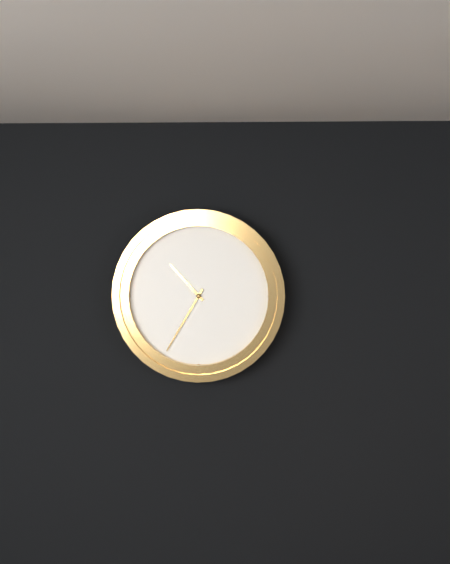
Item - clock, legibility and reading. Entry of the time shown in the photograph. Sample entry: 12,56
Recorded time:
10,35
